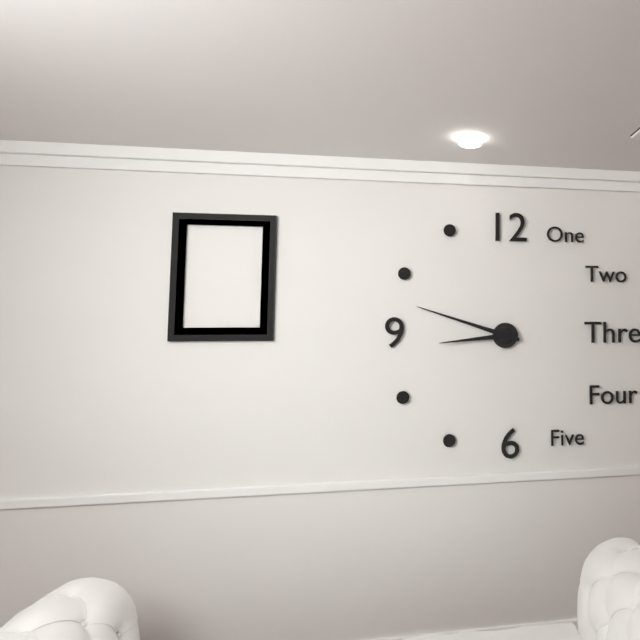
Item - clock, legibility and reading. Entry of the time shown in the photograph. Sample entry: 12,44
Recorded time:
8,48
